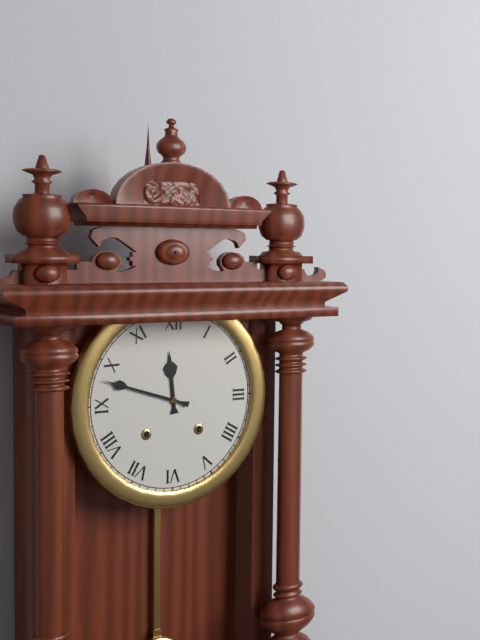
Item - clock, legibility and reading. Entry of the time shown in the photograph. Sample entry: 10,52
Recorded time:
11,48
